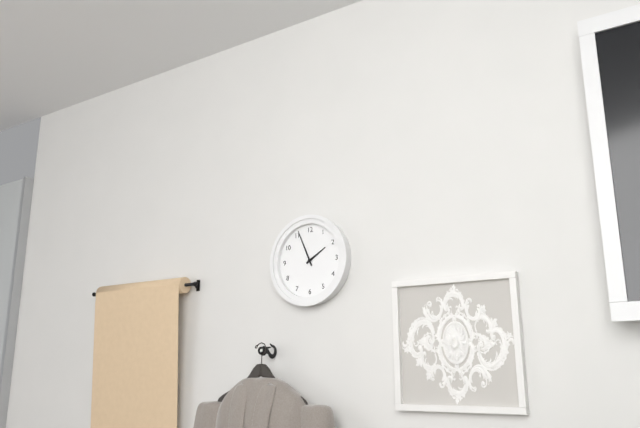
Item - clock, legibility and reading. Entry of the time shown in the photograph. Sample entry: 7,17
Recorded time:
1,56
